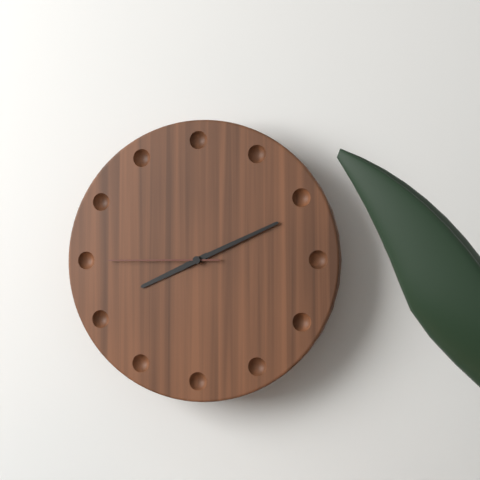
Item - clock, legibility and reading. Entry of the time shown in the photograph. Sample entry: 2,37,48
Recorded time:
8,11,45
